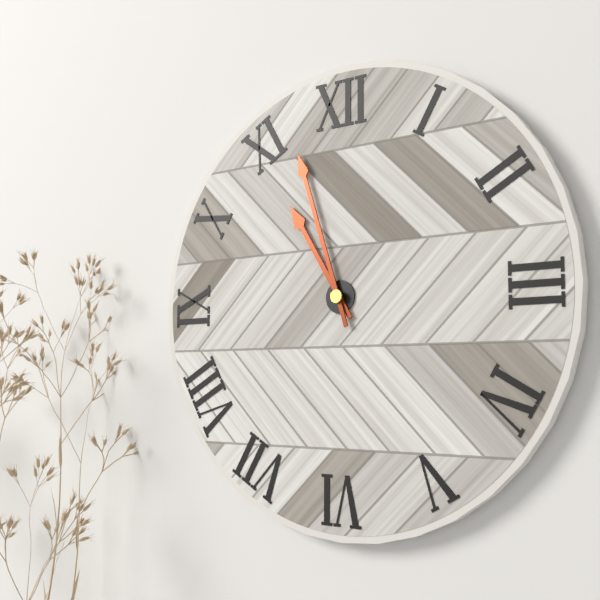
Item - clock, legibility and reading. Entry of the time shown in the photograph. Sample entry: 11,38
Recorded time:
10,57
